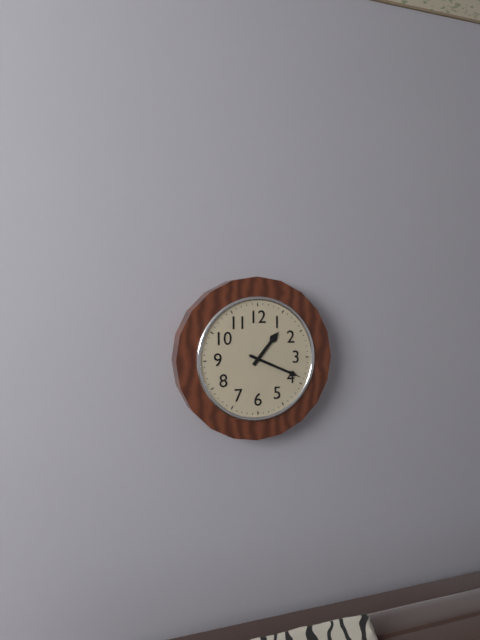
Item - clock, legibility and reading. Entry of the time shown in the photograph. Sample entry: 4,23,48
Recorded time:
1,19,19
